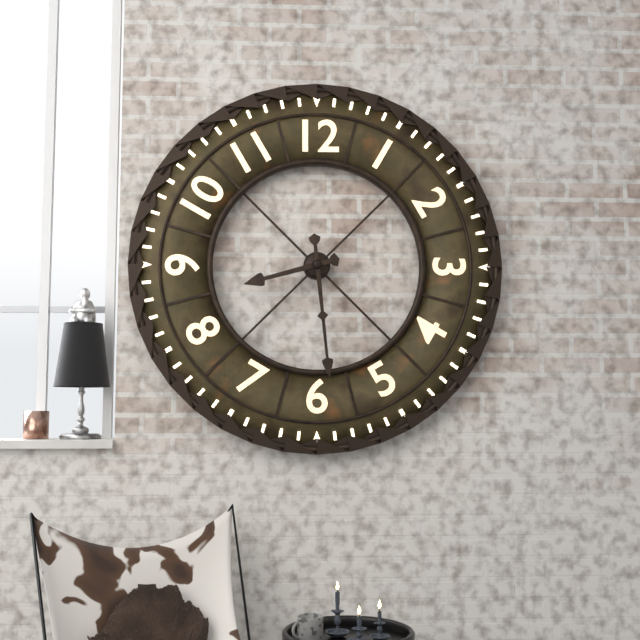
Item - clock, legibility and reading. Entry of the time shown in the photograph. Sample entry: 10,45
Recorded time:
8,29
